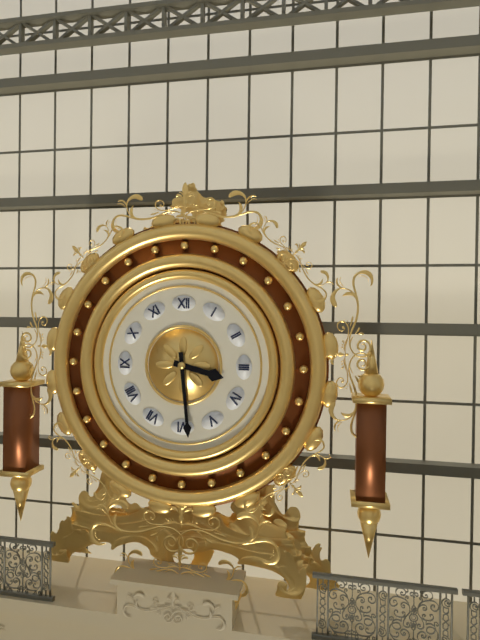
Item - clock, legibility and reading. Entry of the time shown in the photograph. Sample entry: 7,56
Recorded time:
3,29
